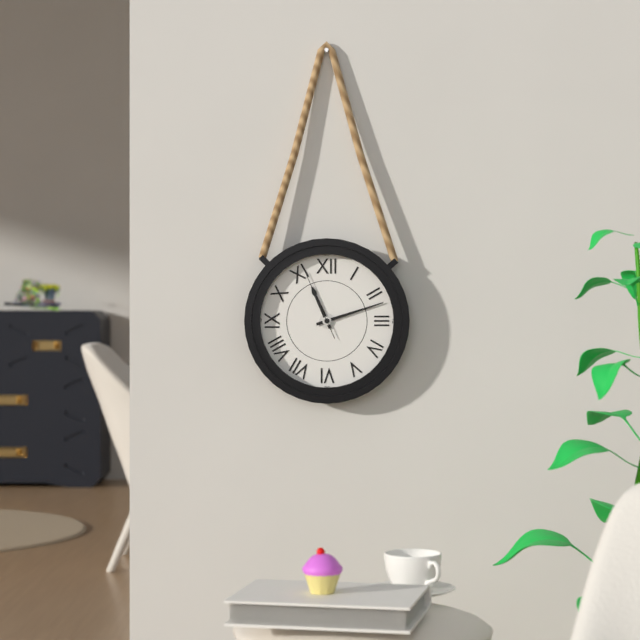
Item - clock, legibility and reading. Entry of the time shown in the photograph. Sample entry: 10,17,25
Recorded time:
11,12,56
